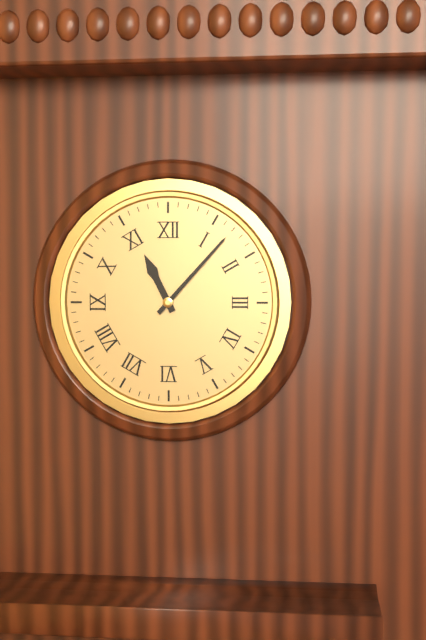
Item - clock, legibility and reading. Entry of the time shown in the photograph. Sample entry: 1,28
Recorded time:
11,07
